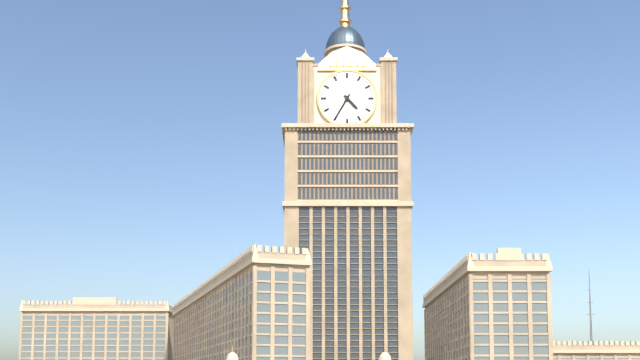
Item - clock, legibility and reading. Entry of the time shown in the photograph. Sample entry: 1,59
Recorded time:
4,35
